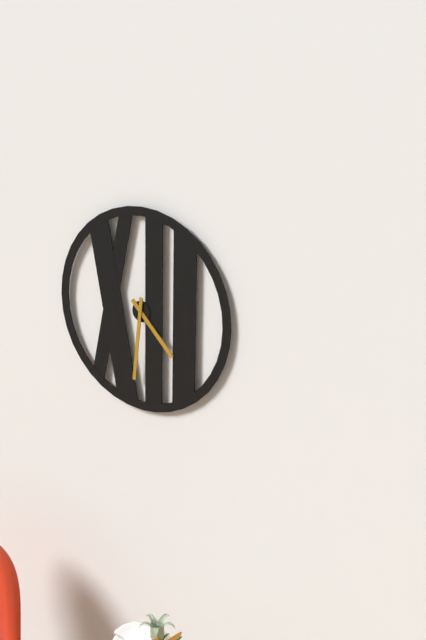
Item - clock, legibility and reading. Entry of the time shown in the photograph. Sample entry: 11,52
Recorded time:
4,31
